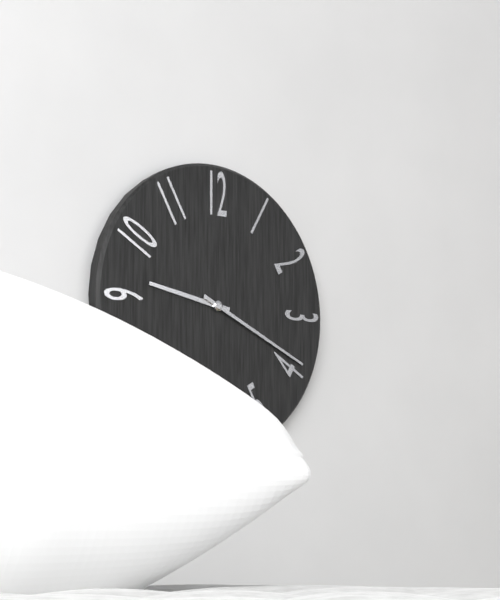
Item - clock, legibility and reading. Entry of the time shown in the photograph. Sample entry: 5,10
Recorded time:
9,19
